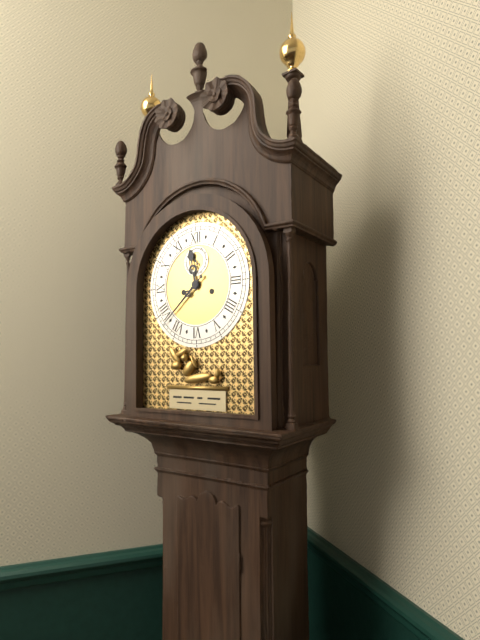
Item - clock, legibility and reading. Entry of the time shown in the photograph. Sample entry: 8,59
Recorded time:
11,38
